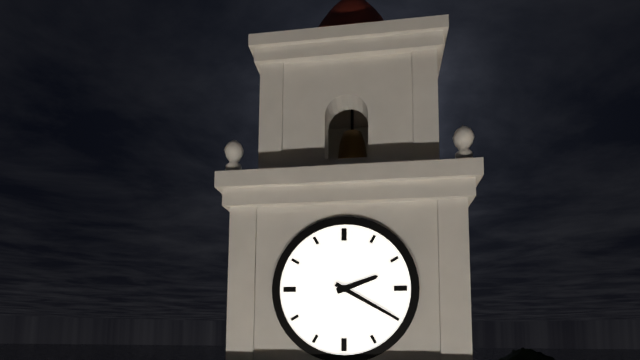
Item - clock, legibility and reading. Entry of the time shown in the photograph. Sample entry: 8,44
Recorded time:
2,20
